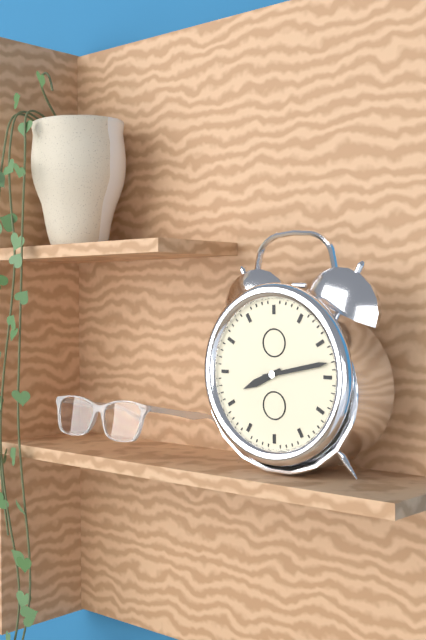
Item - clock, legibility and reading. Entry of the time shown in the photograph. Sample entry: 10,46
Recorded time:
8,13
